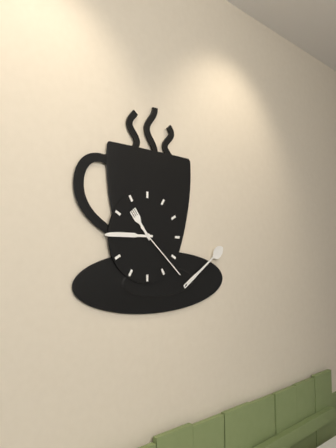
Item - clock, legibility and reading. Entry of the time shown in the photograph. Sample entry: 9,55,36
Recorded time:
10,45,22
